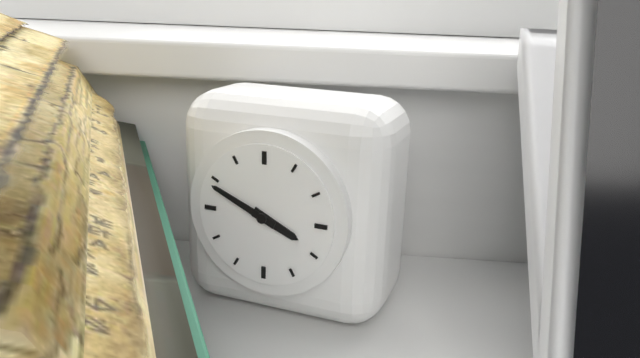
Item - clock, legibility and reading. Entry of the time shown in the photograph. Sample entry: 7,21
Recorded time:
3,49
